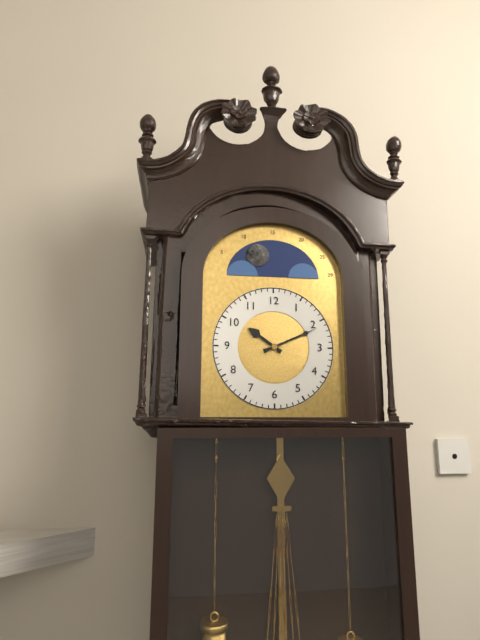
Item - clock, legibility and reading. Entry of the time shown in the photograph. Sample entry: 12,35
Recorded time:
10,11
